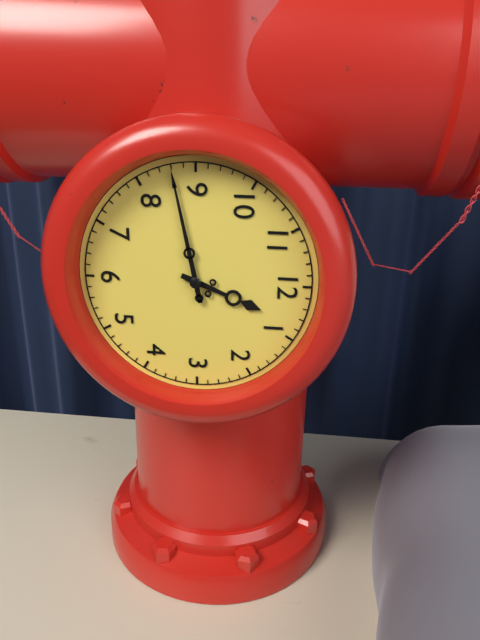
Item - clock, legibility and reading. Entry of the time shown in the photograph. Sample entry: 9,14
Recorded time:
12,43
